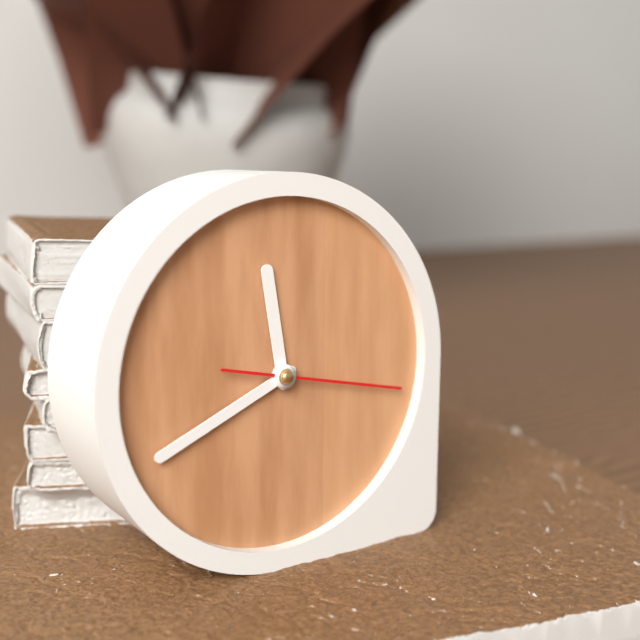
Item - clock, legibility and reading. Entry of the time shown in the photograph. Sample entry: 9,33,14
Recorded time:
11,41,17
